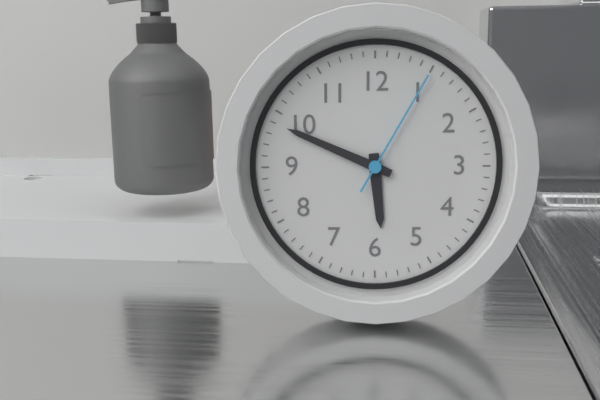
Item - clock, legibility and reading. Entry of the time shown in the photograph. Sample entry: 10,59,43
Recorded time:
5,49,05
